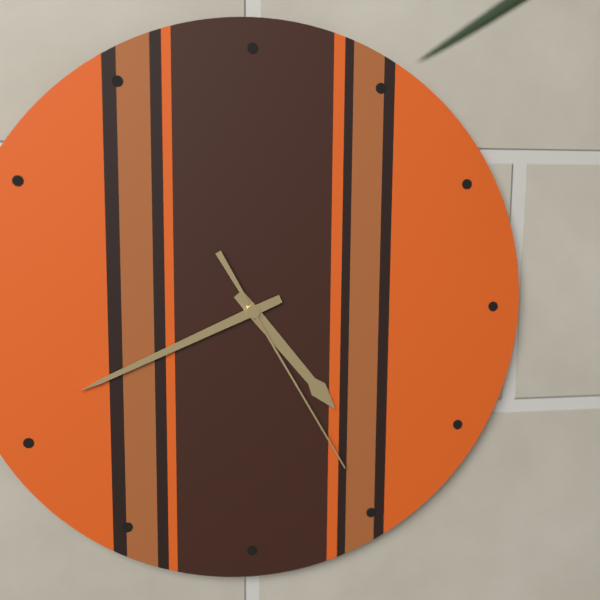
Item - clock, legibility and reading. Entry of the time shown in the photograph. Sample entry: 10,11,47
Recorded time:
4,41,25
